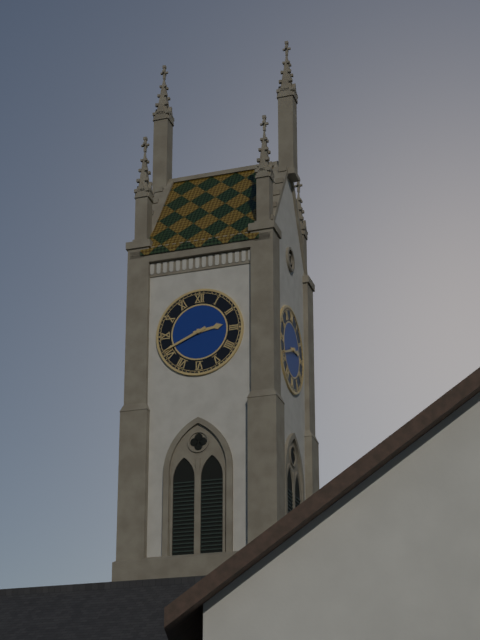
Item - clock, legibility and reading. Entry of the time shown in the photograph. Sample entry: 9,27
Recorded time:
2,41
